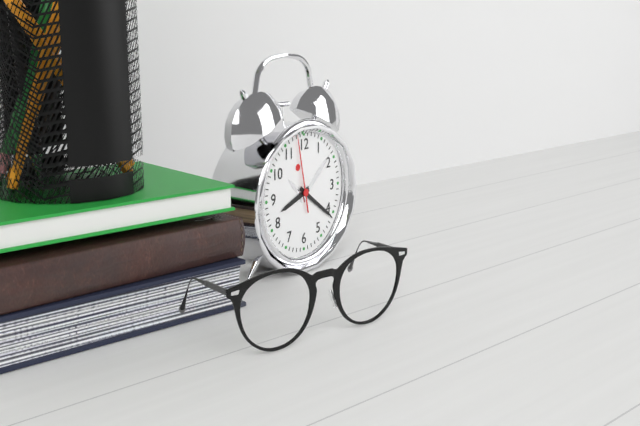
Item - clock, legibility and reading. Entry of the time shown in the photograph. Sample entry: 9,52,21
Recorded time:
8,21,58
